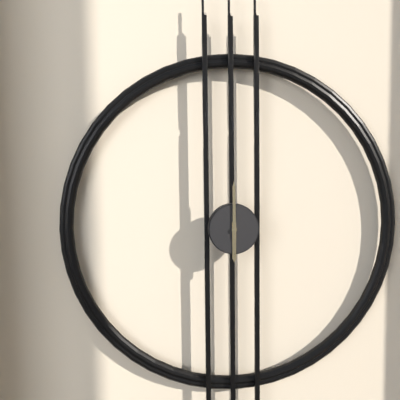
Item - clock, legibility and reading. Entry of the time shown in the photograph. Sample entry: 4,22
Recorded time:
6,00
